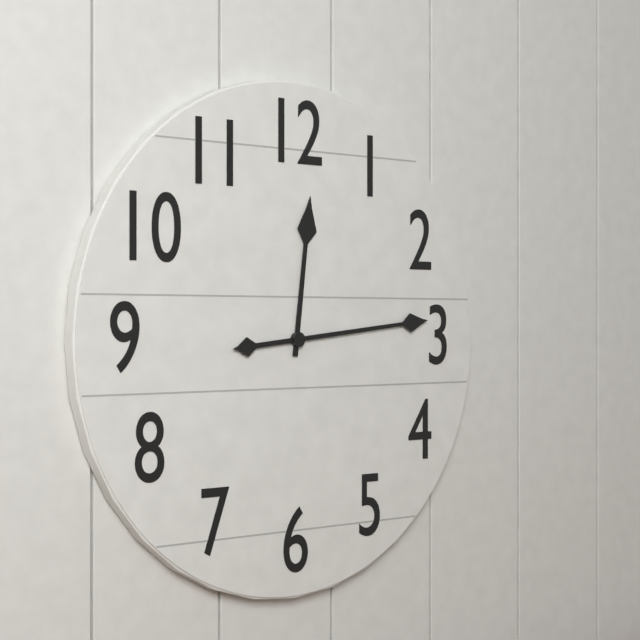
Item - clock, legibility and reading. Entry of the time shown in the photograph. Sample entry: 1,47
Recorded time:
12,14
